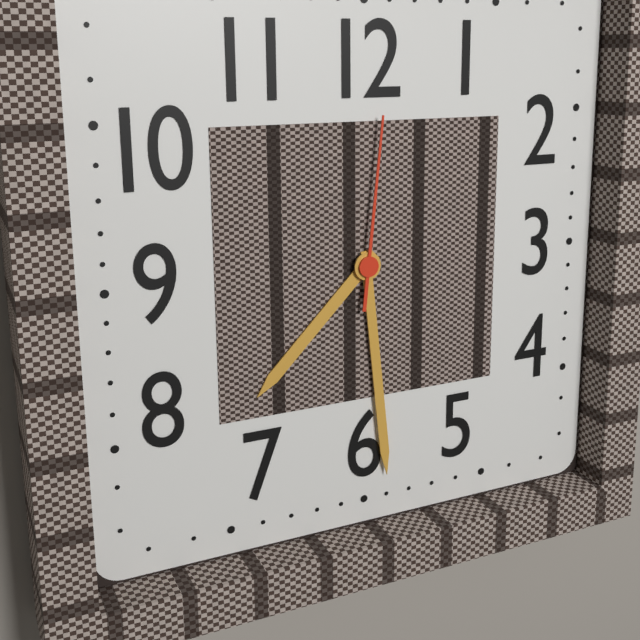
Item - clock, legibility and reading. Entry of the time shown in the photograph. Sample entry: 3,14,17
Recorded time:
7,29,01
